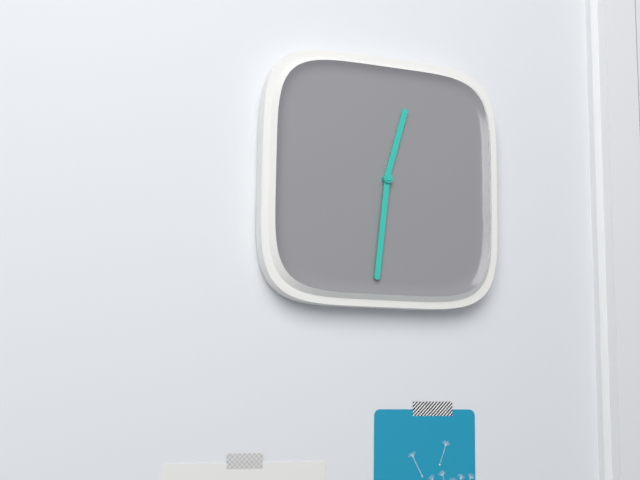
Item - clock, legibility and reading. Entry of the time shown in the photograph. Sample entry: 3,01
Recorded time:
12,31
